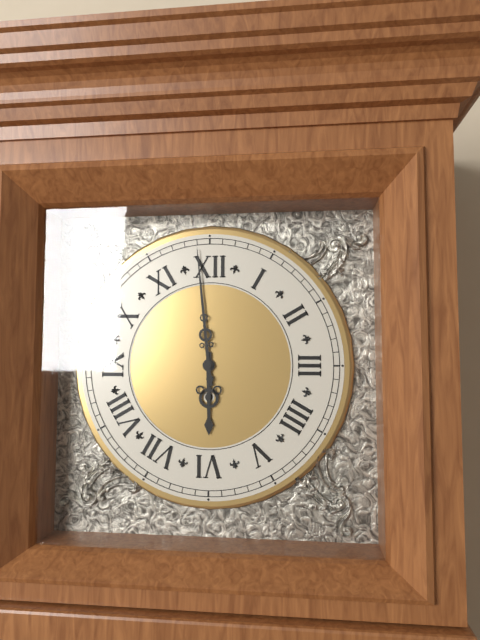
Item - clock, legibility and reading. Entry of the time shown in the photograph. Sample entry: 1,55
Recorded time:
5,59
